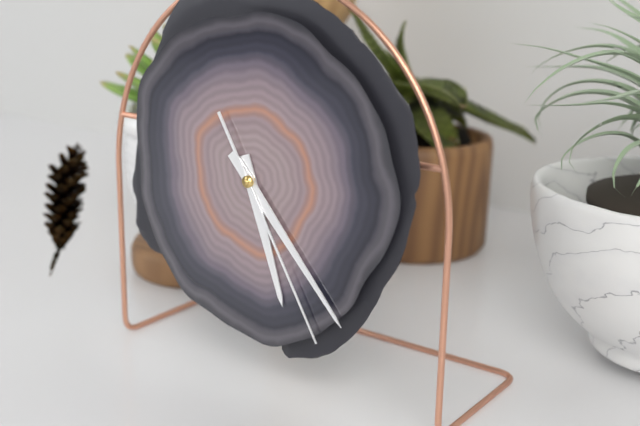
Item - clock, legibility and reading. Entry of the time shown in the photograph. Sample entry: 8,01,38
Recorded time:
5,23,25
